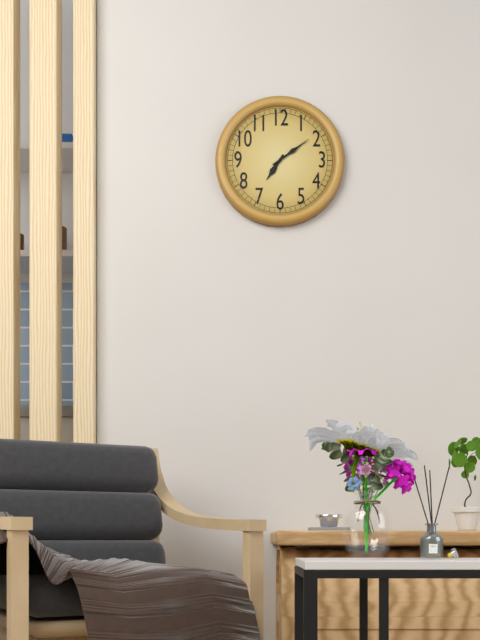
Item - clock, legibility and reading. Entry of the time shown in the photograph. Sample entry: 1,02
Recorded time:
7,09
